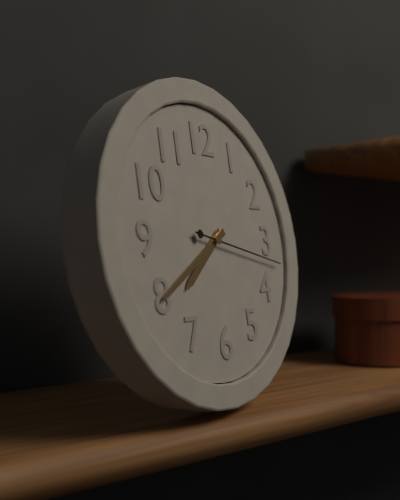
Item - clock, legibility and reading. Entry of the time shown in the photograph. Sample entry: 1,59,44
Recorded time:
7,40,17
